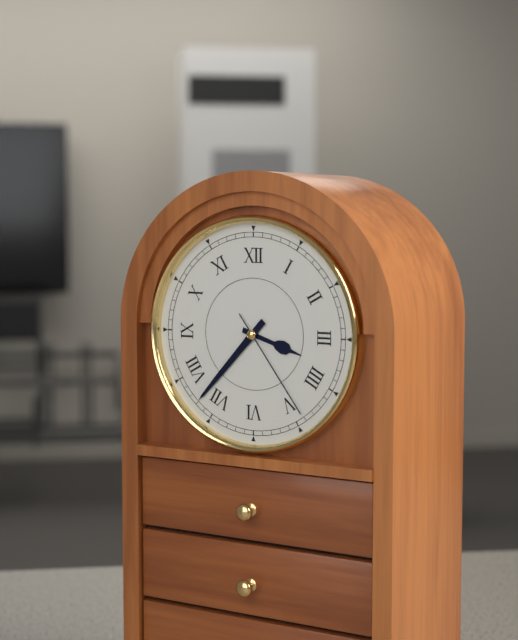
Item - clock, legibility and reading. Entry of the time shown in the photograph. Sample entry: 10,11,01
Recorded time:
3,37,24
